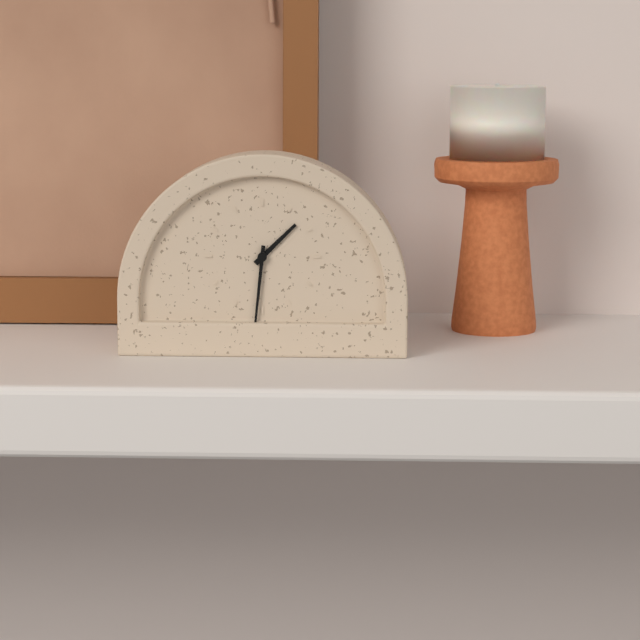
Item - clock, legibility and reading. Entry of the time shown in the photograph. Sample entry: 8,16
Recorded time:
1,31
